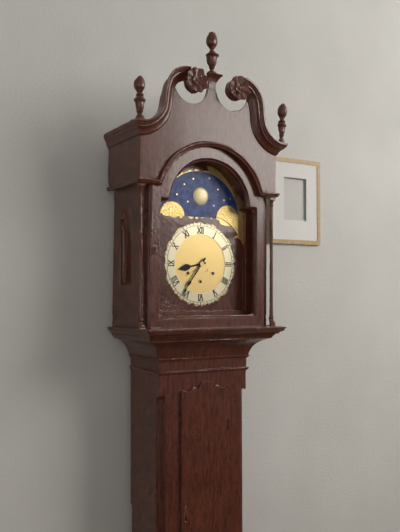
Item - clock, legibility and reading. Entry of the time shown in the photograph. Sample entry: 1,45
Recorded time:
8,36
